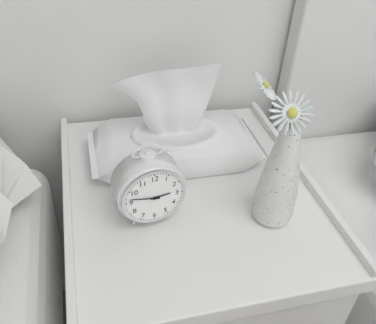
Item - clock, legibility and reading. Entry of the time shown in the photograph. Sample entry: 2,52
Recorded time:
2,47
